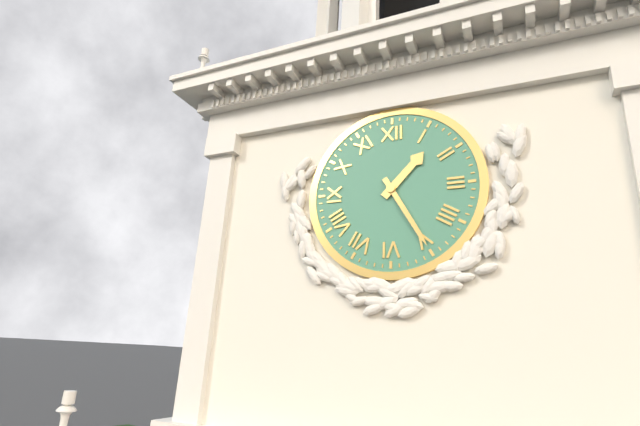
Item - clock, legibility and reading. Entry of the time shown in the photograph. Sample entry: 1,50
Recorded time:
1,25
